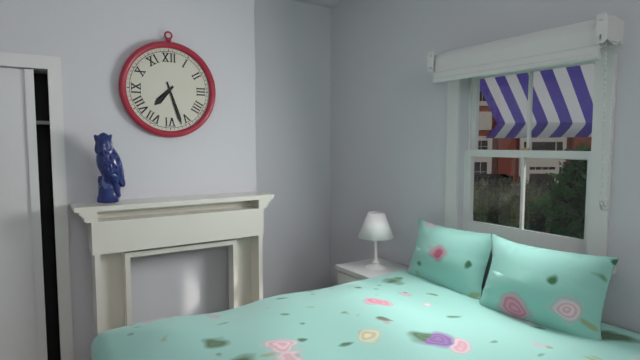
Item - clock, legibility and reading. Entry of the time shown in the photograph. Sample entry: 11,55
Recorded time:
7,27
